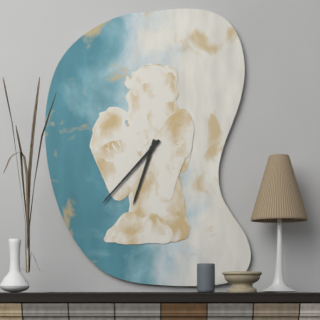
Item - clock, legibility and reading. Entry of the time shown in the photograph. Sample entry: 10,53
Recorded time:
6,37
